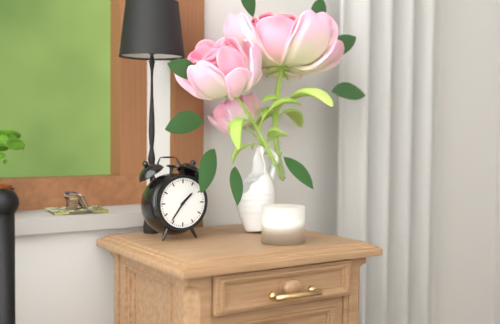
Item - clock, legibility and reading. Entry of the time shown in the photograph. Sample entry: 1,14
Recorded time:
1,36
